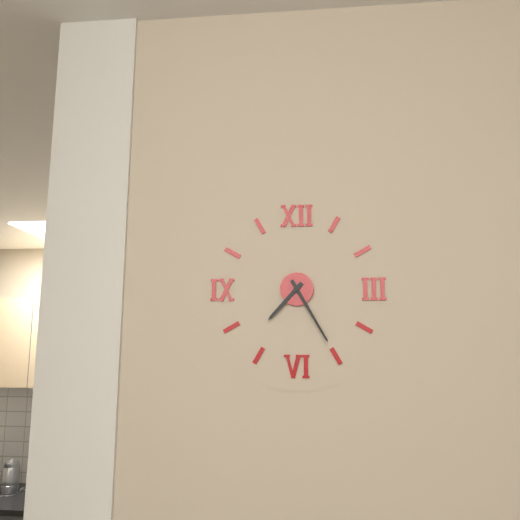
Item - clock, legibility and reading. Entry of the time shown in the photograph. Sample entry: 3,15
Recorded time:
7,25
